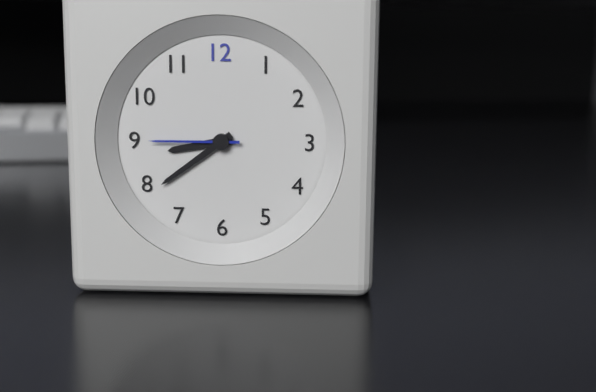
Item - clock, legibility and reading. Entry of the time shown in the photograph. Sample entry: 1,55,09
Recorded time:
8,39,45
